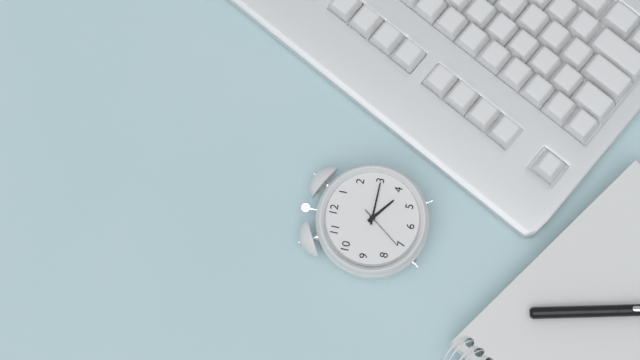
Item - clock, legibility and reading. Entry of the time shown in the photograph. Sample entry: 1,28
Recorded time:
4,15
